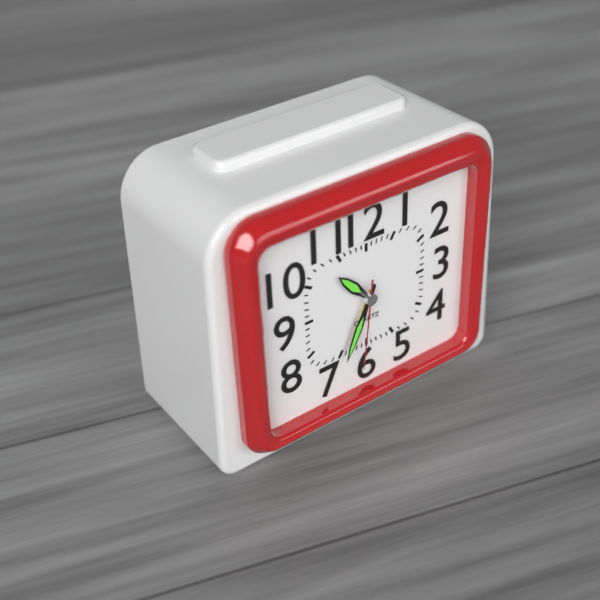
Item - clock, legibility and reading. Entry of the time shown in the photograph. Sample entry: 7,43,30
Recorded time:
10,34,31
